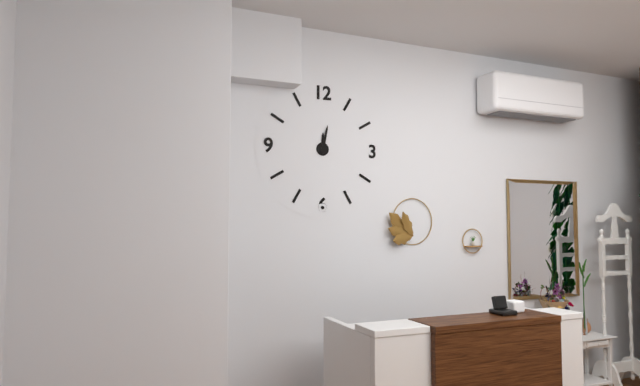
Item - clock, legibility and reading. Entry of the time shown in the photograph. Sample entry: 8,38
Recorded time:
12,02
